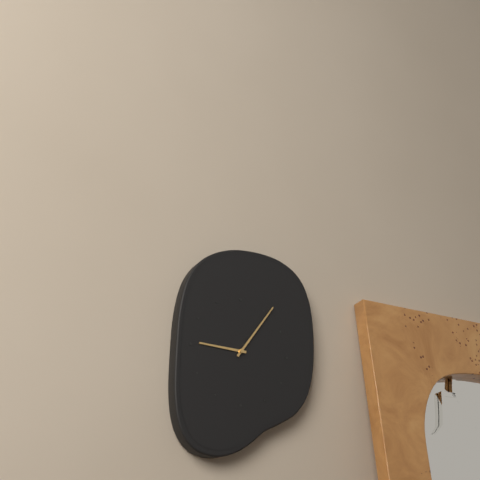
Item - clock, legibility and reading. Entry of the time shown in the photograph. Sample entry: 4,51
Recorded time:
9,06
